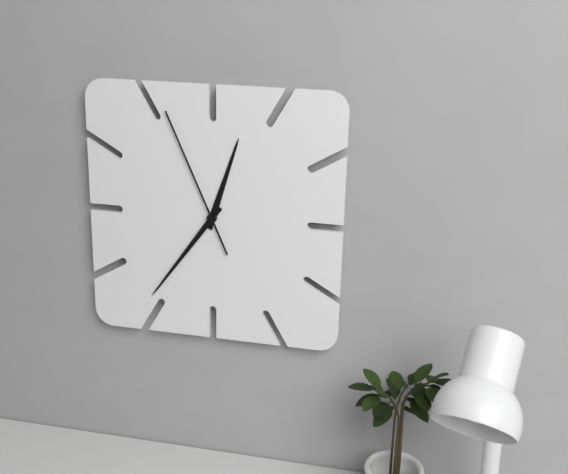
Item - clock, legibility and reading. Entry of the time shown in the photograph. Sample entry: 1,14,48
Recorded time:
12,36,56
